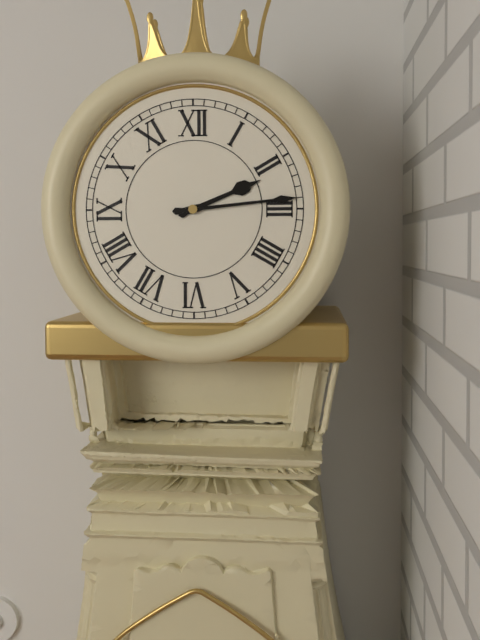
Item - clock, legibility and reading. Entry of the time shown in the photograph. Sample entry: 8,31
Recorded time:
2,14
